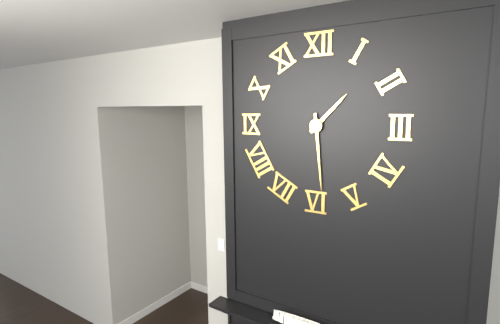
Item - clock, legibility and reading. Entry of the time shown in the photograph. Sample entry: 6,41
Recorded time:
1,29
